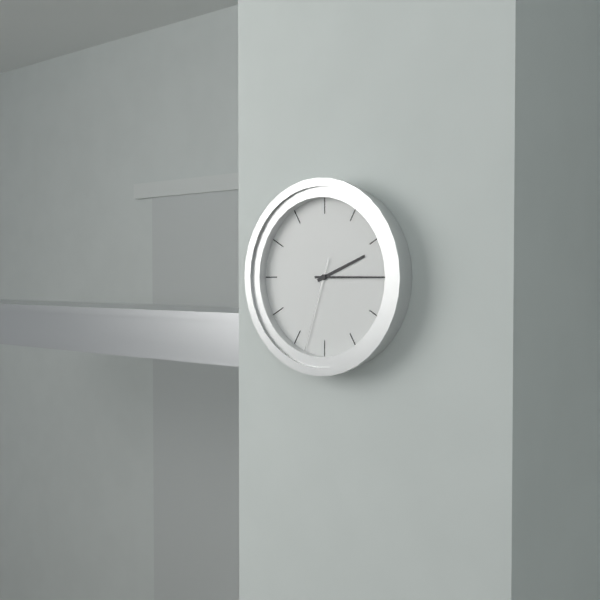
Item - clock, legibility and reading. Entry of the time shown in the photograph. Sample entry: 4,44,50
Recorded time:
2,15,33
